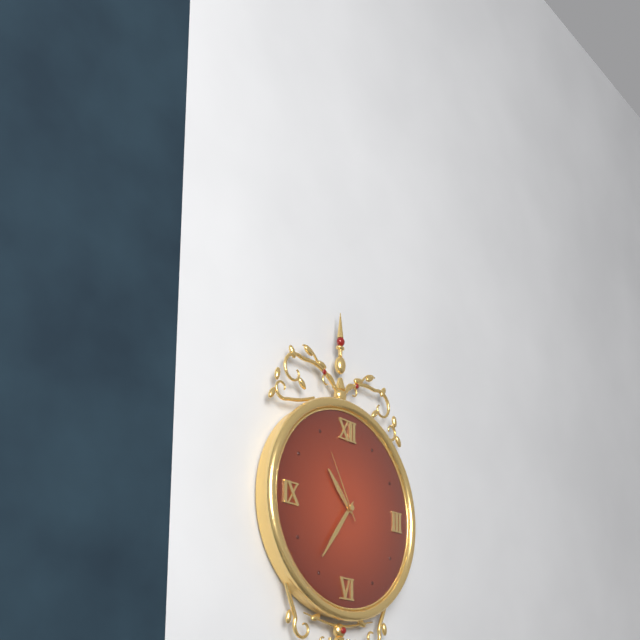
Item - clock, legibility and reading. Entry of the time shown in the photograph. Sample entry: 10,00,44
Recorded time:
10,36,55
